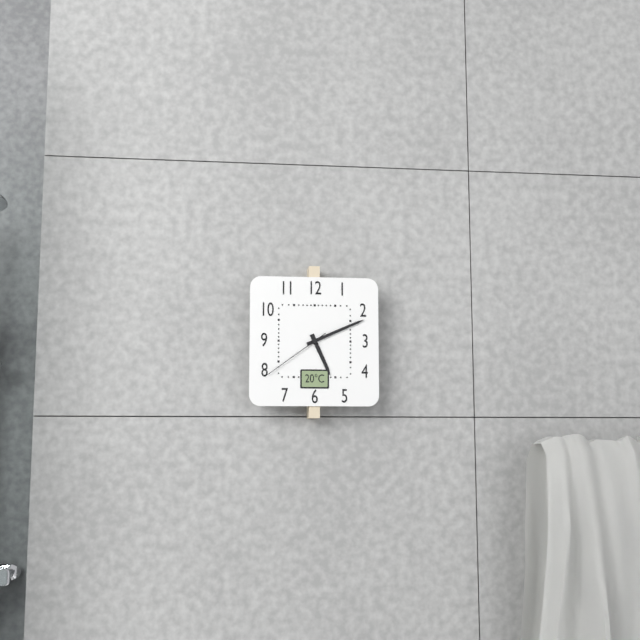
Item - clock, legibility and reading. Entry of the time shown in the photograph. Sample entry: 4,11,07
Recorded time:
5,11,39
